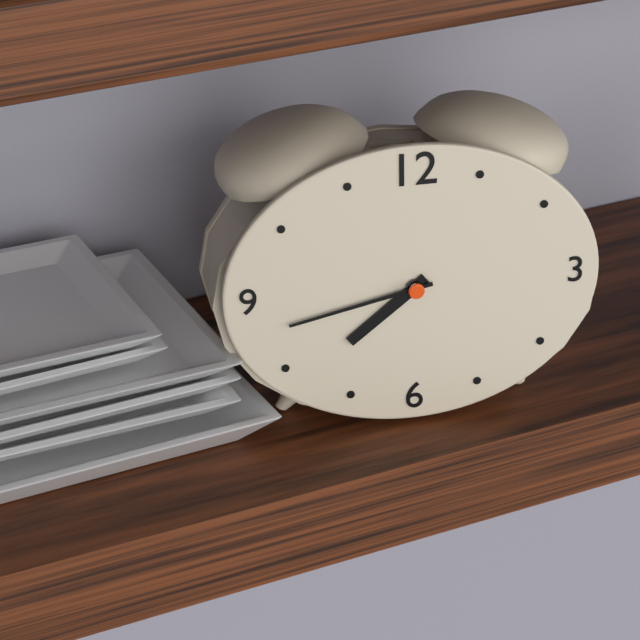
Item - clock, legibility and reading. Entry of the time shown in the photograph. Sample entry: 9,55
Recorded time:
7,43
